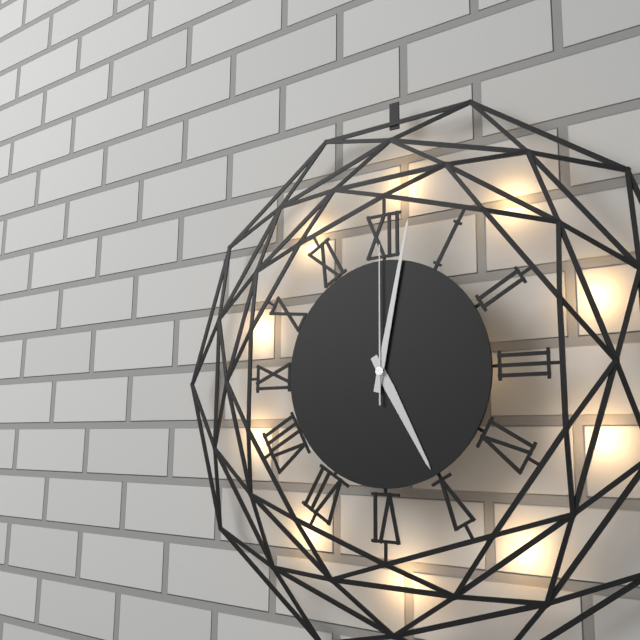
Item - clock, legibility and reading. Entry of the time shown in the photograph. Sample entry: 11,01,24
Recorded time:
5,02,00
